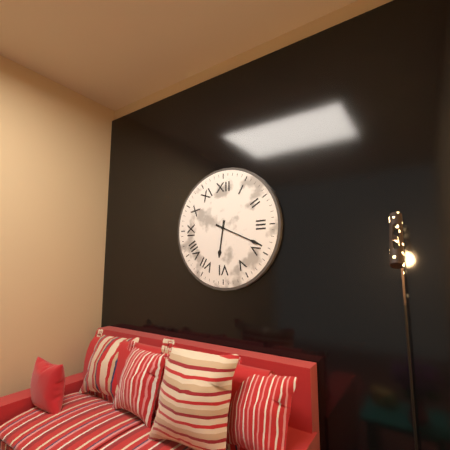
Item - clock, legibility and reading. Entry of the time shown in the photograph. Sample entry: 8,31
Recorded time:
6,19
